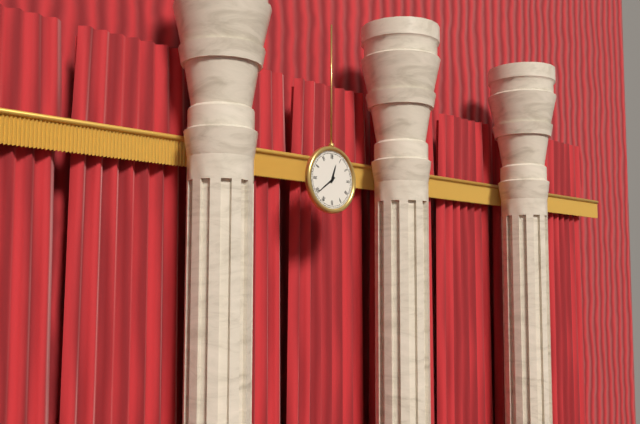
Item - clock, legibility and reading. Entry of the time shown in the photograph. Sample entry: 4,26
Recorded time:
12,39
